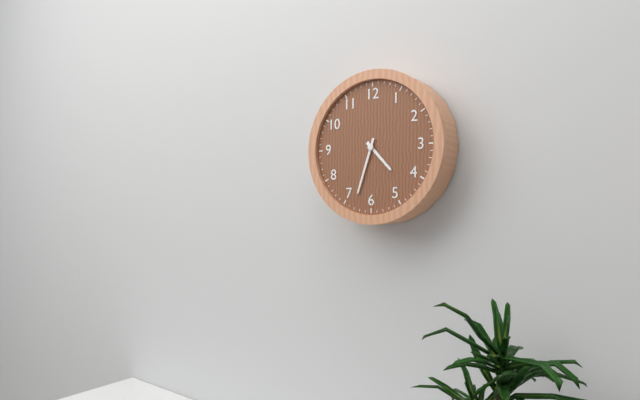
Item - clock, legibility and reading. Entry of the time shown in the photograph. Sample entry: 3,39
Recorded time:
4,33
